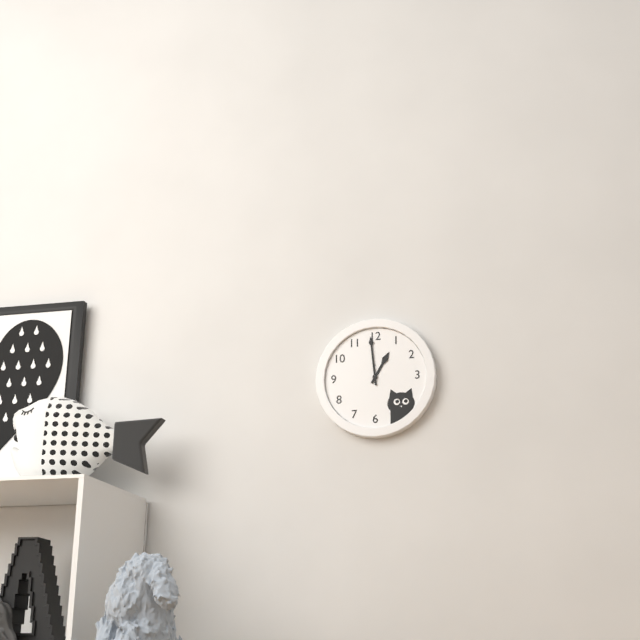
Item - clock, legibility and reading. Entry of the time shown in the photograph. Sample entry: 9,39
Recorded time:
12,59
